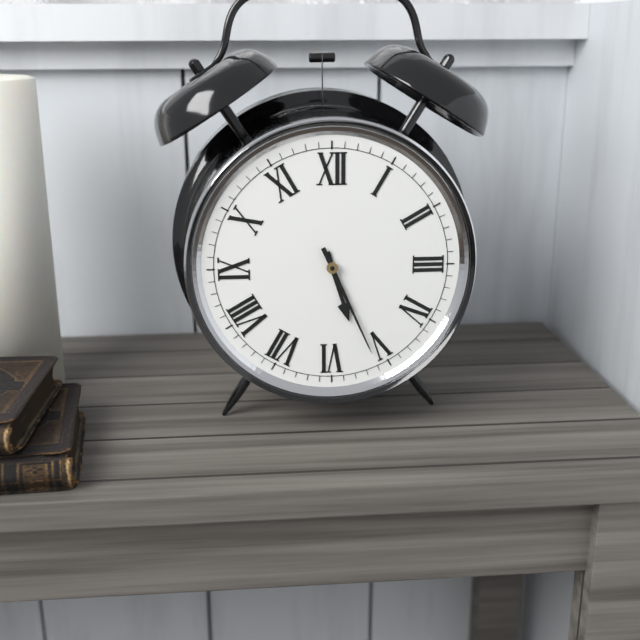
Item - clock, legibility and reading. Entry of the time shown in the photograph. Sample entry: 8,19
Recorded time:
5,26
